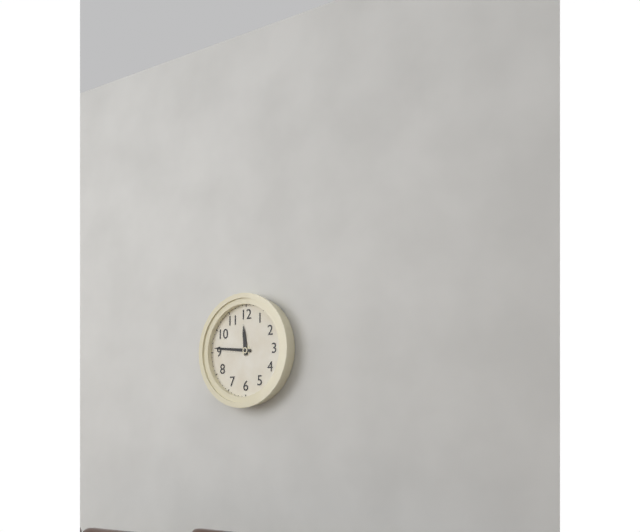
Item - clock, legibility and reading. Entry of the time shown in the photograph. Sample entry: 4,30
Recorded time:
11,46
